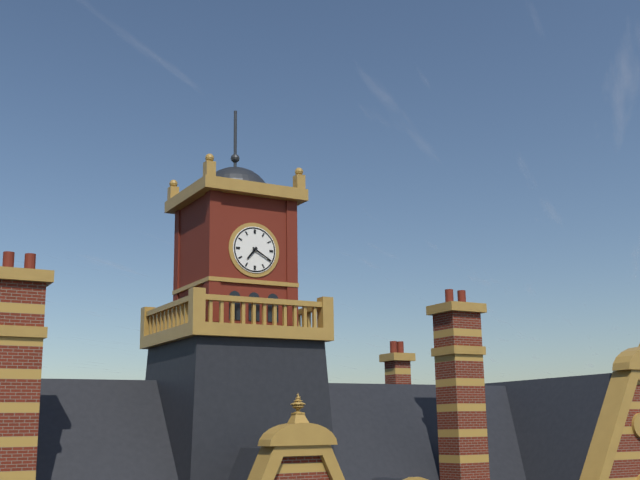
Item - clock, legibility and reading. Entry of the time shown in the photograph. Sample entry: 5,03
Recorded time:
7,20
